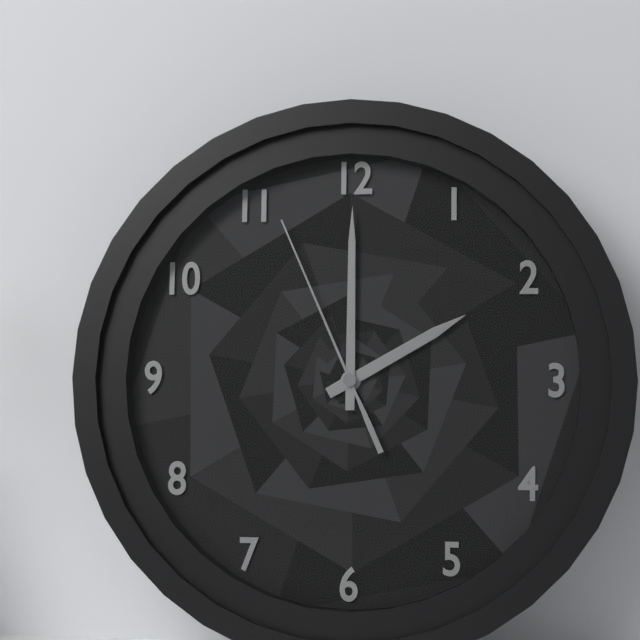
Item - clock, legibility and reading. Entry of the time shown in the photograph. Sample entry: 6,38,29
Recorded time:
2,00,56
